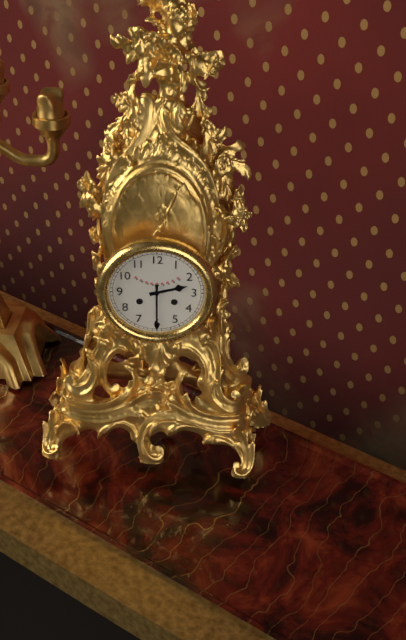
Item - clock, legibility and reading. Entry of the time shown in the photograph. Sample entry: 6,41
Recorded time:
2,30
